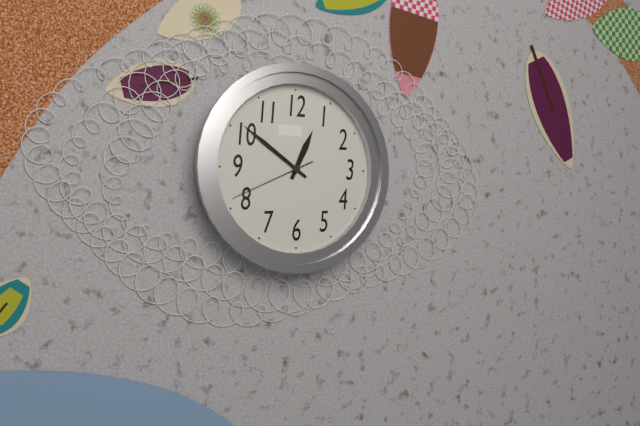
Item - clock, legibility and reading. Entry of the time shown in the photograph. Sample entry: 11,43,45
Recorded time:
12,51,41
